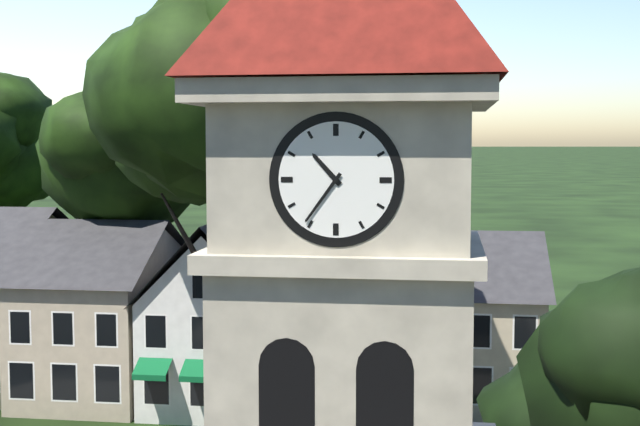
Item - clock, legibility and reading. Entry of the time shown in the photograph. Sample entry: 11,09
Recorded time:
10,36
